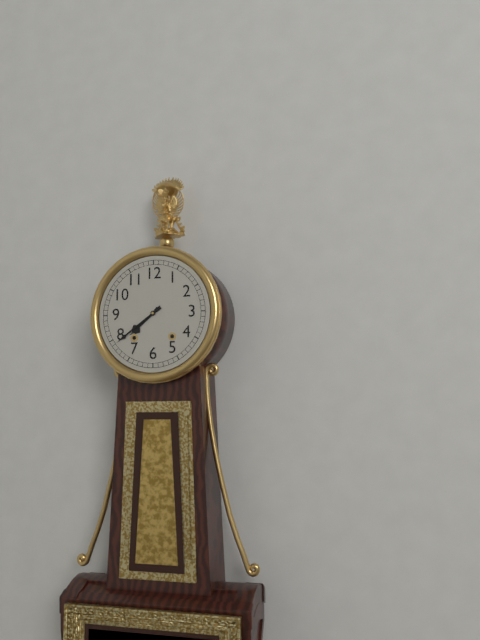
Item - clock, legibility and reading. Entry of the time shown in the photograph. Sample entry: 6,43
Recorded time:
7,39
